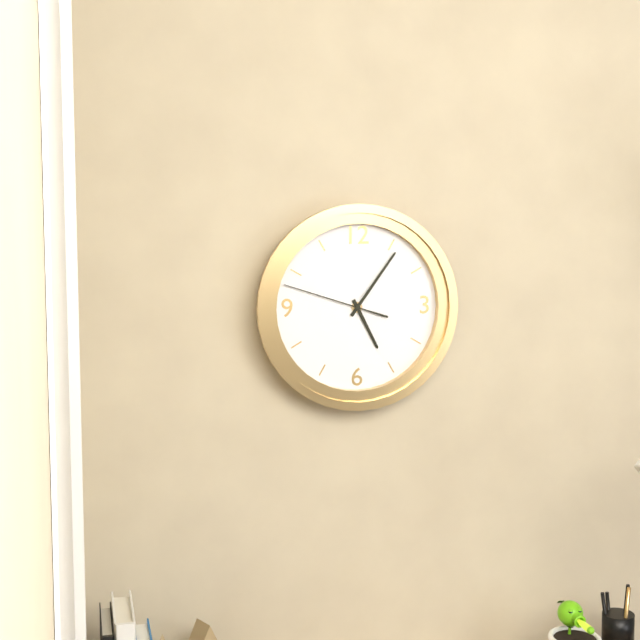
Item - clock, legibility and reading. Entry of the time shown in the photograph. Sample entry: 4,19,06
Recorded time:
5,06,48
